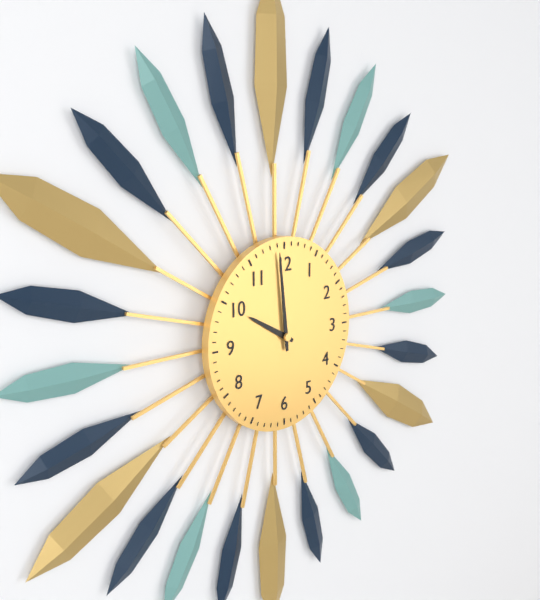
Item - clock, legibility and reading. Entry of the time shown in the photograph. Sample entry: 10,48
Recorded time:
9,59
